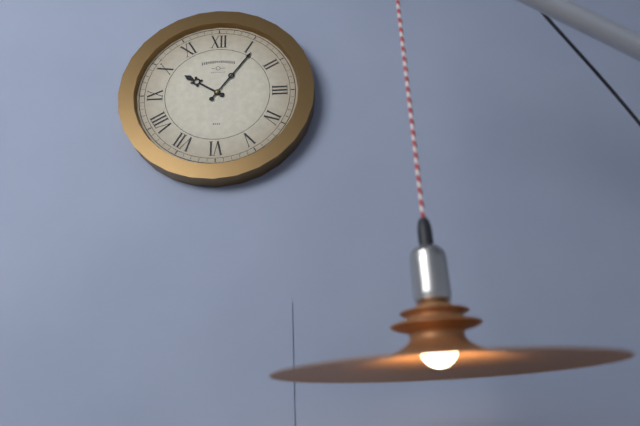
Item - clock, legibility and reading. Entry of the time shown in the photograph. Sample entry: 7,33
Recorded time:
10,06
